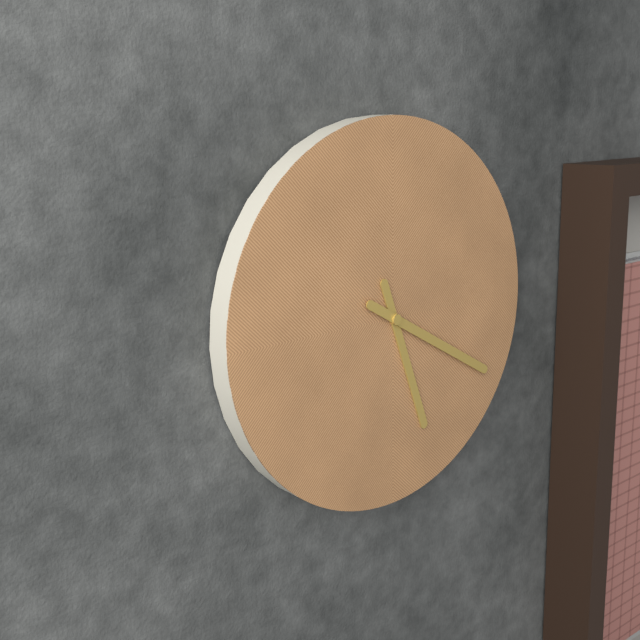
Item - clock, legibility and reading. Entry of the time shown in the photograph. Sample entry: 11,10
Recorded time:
5,20
